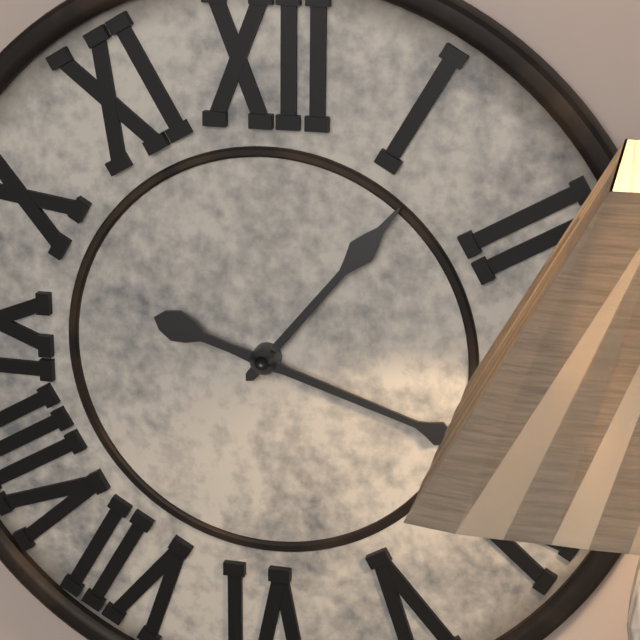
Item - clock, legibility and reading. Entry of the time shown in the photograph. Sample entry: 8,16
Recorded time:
1,18
